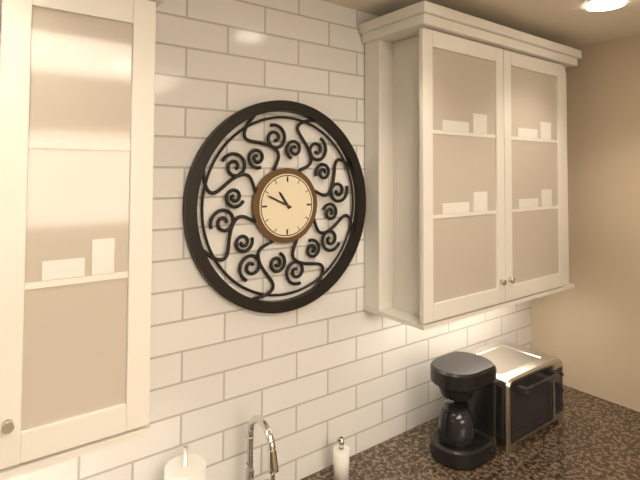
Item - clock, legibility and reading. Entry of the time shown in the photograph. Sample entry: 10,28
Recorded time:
10,49
